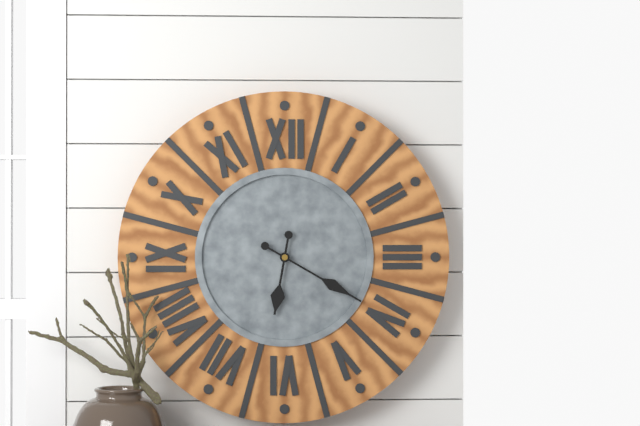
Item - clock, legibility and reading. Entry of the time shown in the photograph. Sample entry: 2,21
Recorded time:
6,20
